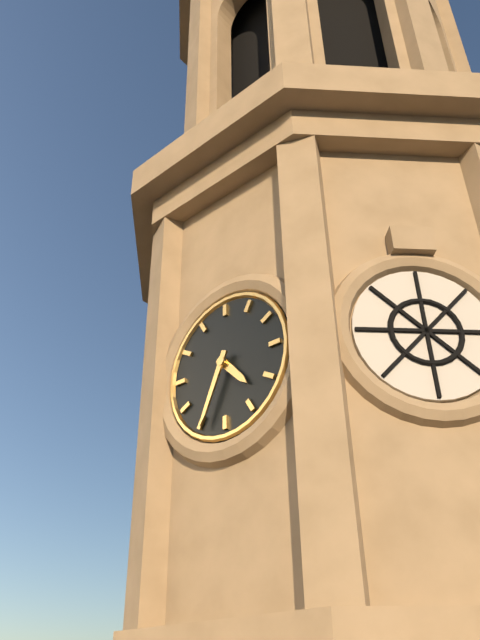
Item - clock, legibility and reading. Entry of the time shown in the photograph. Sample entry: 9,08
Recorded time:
4,34
